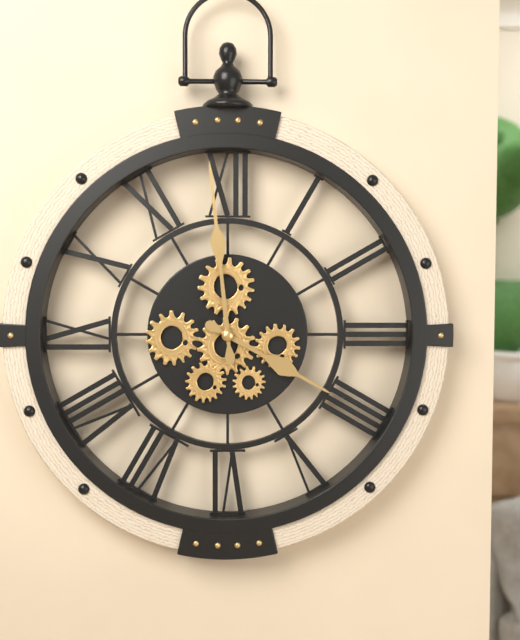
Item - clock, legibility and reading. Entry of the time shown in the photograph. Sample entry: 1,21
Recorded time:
3,59
